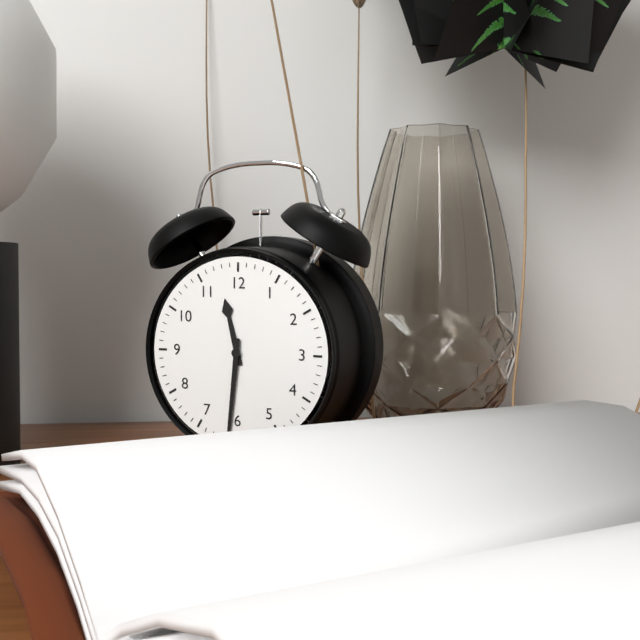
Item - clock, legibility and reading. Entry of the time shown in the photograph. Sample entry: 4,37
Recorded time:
11,31
